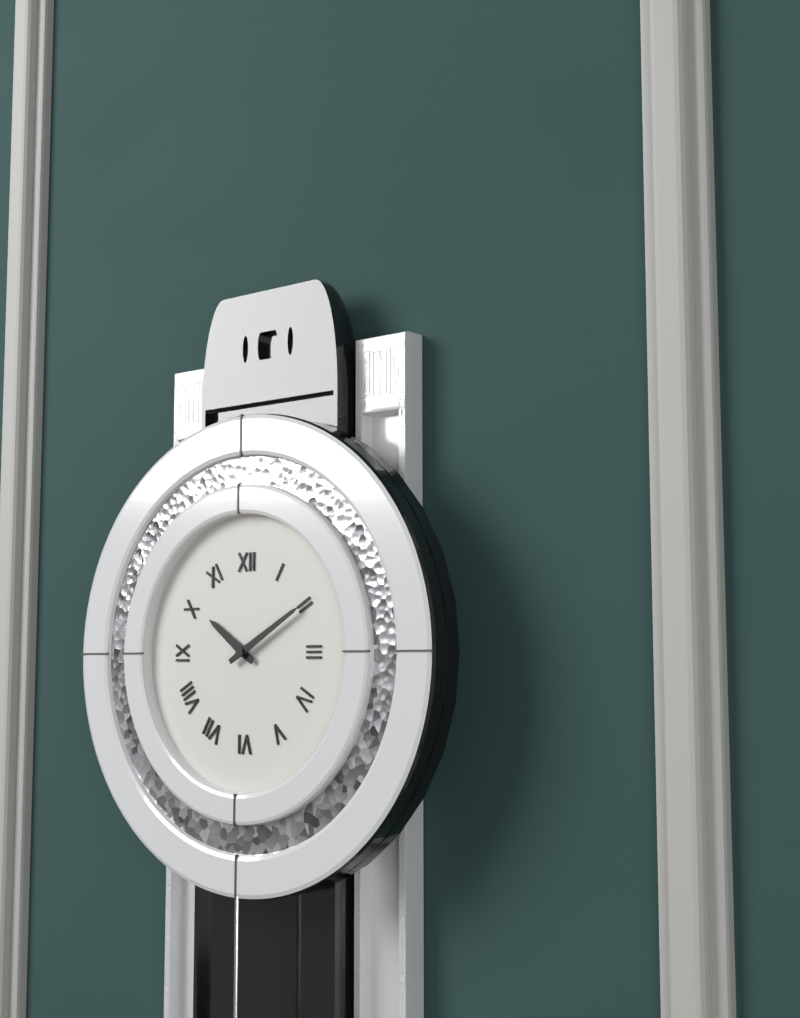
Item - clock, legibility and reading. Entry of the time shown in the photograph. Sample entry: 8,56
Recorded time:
10,10
